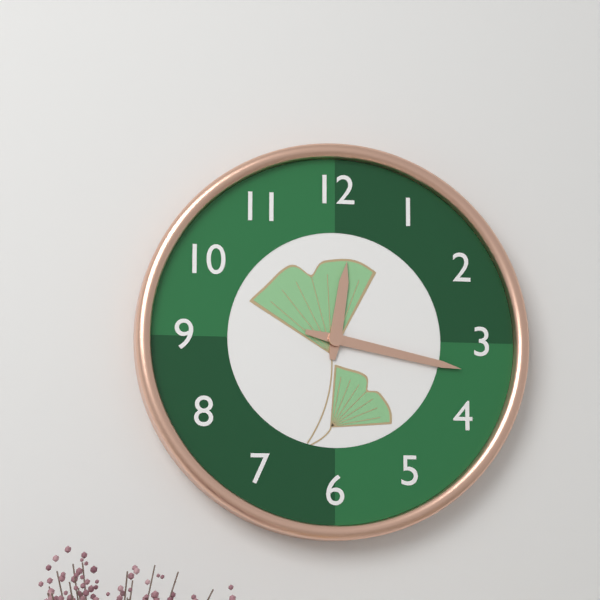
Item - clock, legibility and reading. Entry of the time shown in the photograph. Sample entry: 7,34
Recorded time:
12,17
